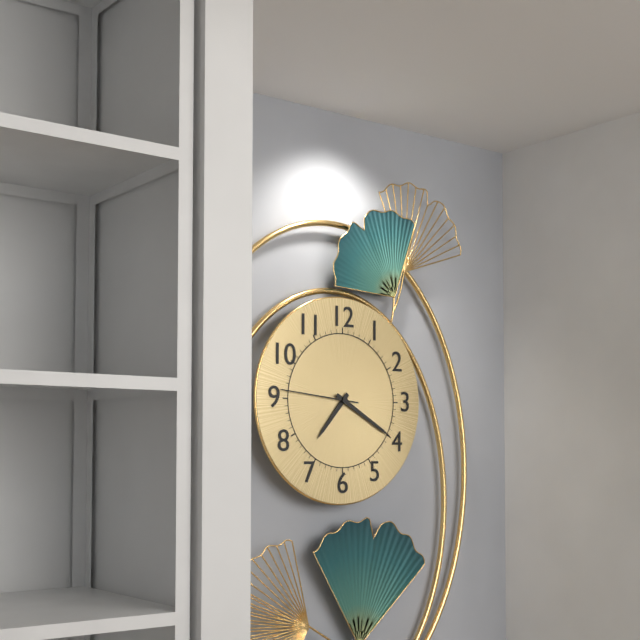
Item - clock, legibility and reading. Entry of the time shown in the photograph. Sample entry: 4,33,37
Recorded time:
7,20,46
